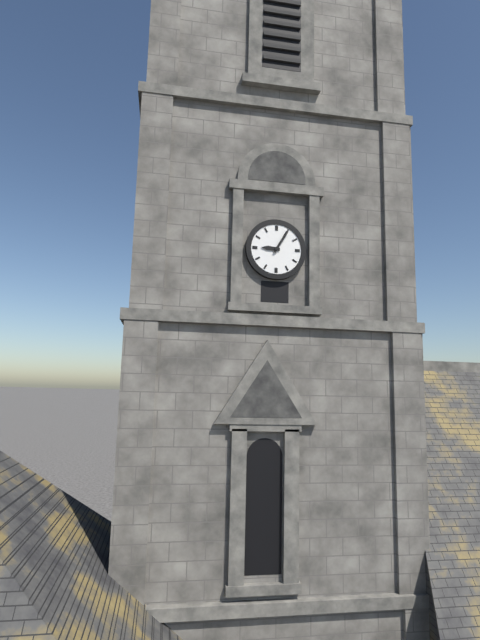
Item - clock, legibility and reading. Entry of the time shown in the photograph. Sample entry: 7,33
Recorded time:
9,05
